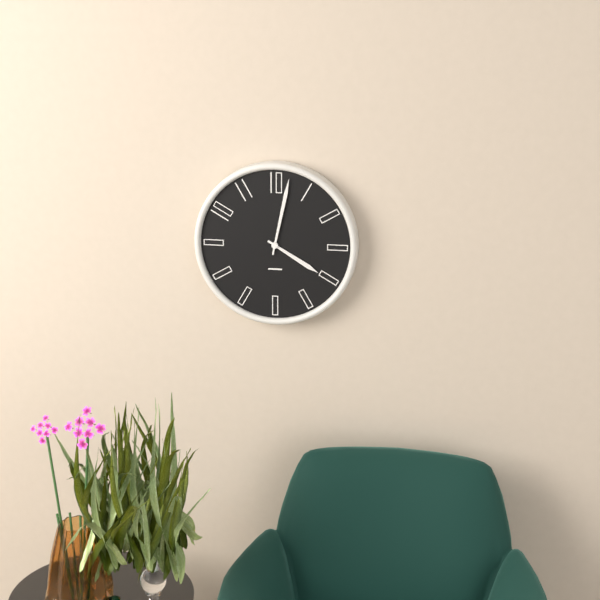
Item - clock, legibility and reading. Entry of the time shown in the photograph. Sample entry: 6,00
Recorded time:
4,02
